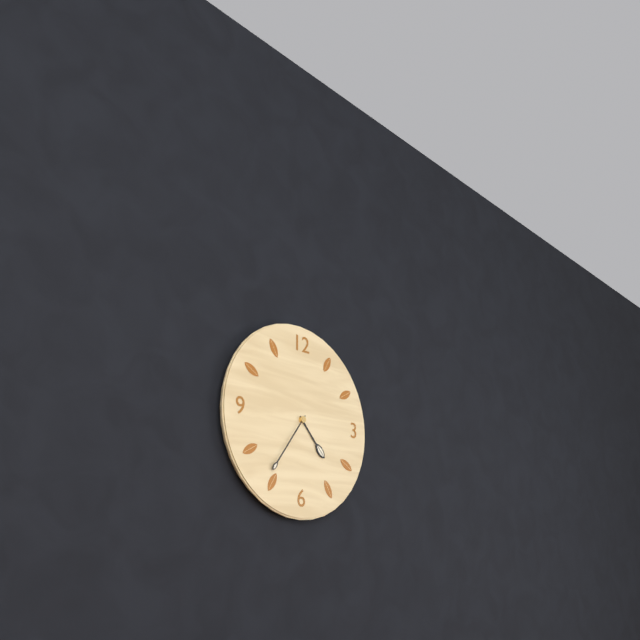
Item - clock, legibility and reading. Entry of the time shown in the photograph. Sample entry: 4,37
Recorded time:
4,36
